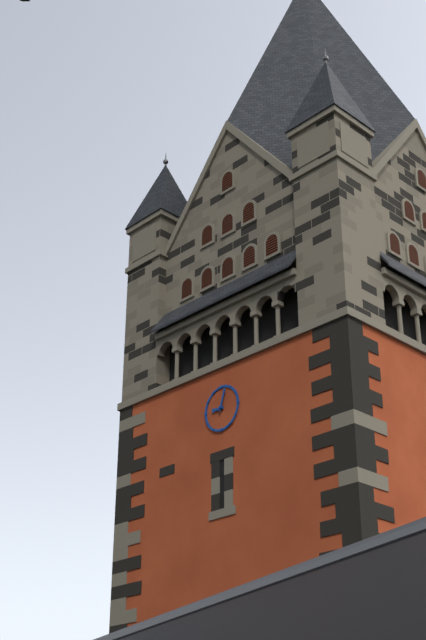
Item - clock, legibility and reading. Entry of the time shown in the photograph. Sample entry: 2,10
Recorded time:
9,03
